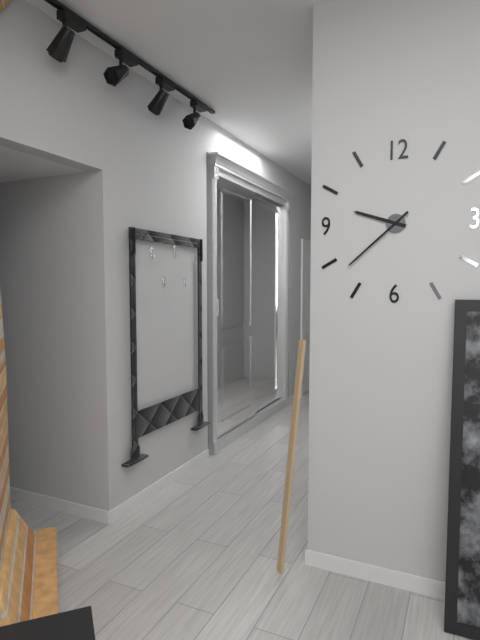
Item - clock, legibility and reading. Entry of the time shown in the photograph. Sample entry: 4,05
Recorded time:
9,38
